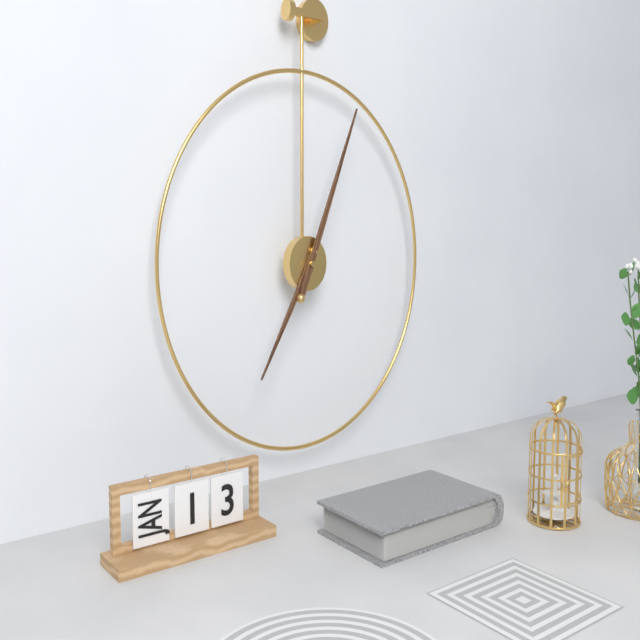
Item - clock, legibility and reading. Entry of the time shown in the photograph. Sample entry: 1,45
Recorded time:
7,04
